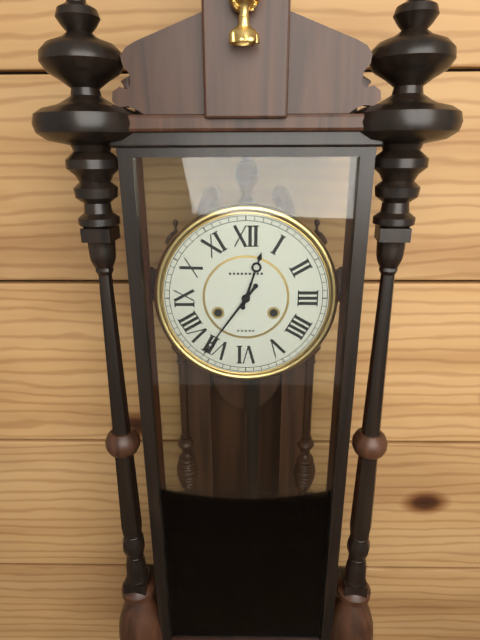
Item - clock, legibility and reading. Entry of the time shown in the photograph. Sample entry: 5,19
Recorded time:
12,36
